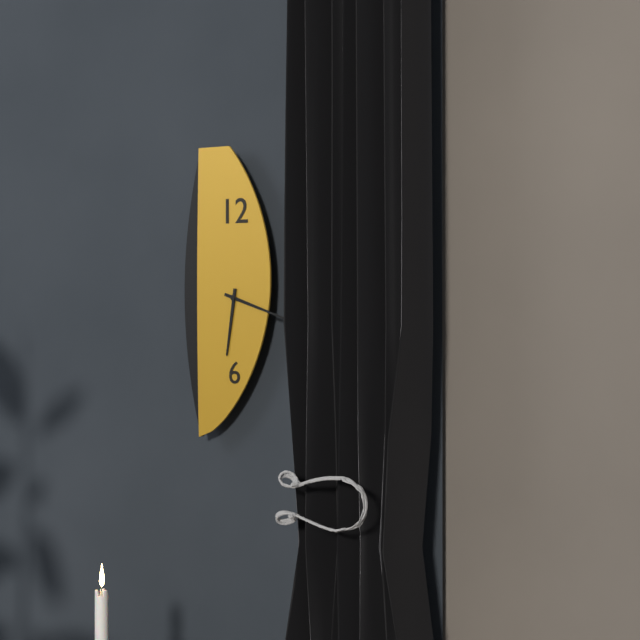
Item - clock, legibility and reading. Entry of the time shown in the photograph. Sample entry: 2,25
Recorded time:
6,18
